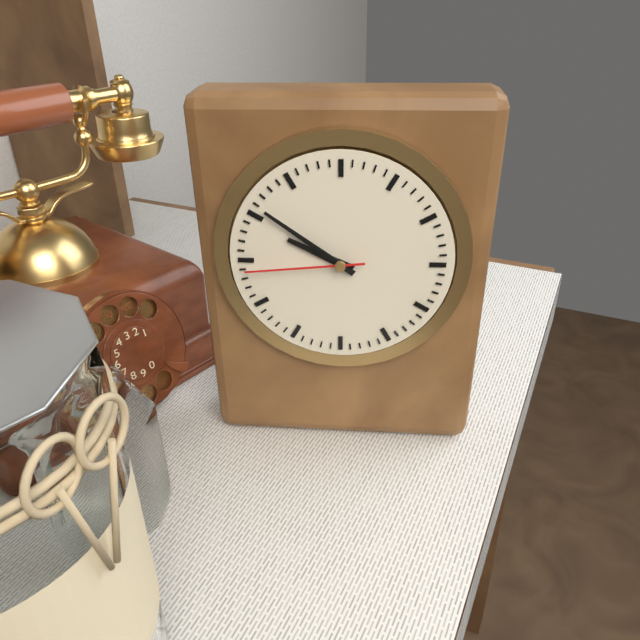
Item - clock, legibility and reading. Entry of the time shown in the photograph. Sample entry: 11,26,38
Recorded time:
9,51,44
